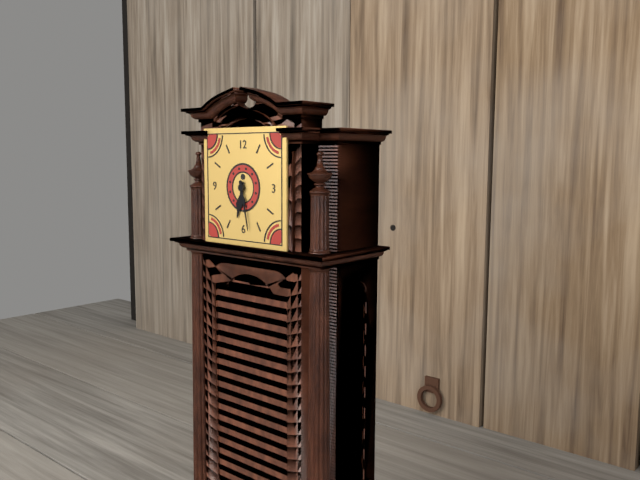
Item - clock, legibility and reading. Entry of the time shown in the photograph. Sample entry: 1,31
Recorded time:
6,28
